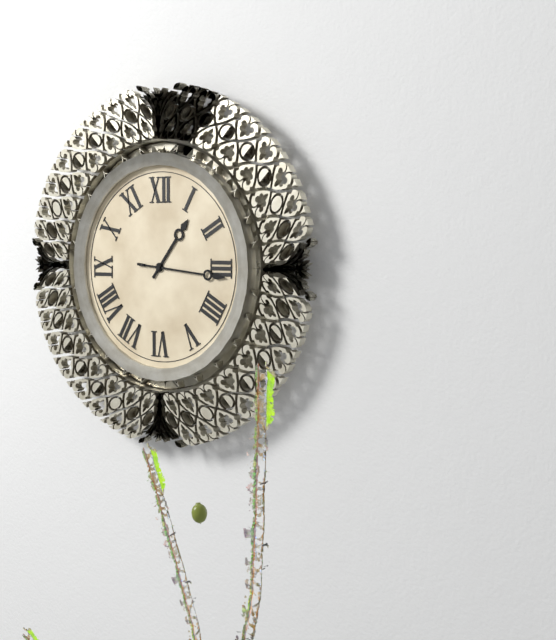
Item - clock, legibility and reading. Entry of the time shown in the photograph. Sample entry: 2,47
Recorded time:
1,16
